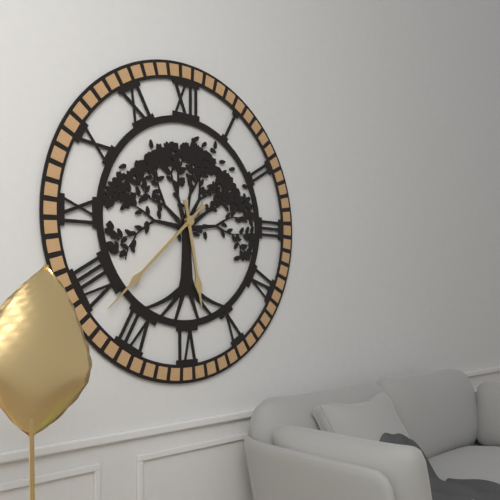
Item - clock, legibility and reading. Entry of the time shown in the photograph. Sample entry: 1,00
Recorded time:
5,38
